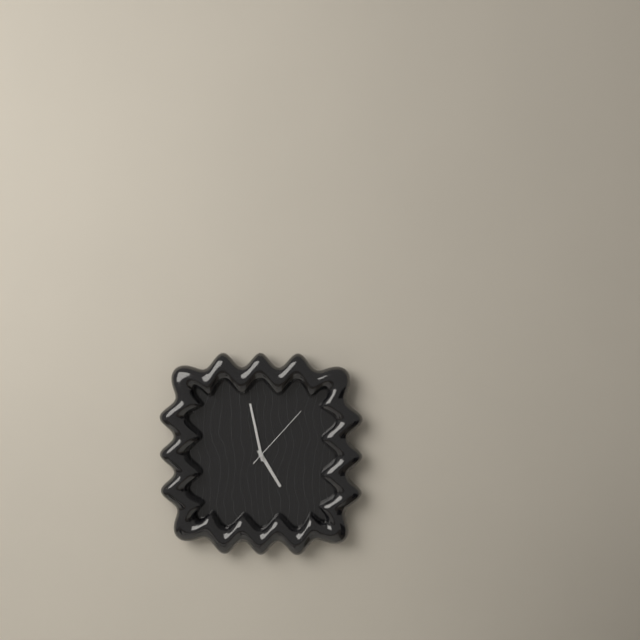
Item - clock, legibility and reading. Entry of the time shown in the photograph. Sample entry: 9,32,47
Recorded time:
4,58,07
